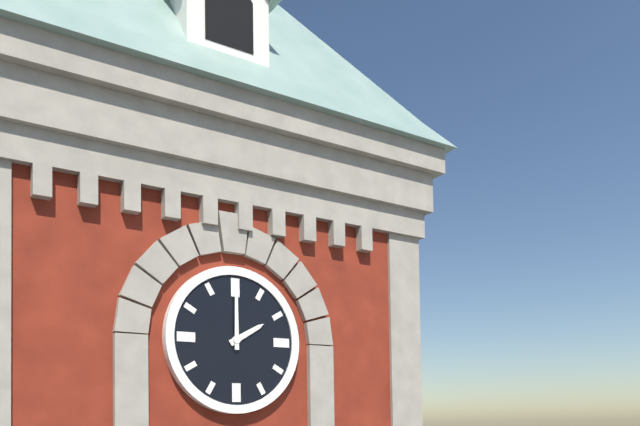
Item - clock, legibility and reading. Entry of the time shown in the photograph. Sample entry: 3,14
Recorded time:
2,00
